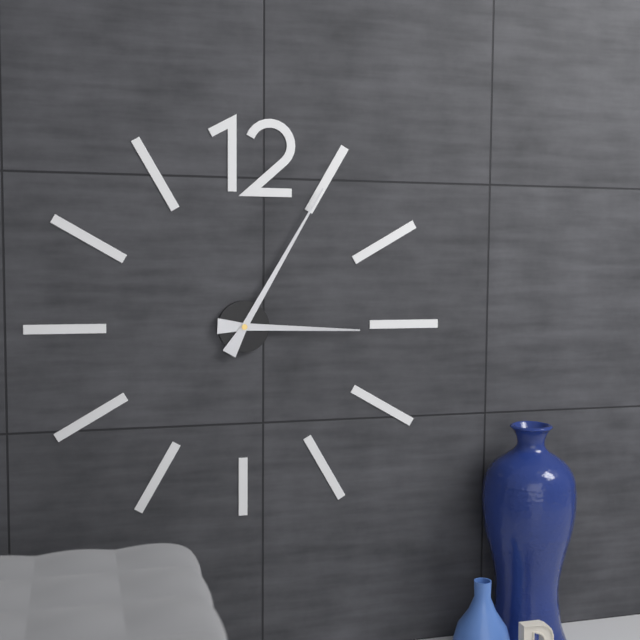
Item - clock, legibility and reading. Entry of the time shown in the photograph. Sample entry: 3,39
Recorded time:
3,05
